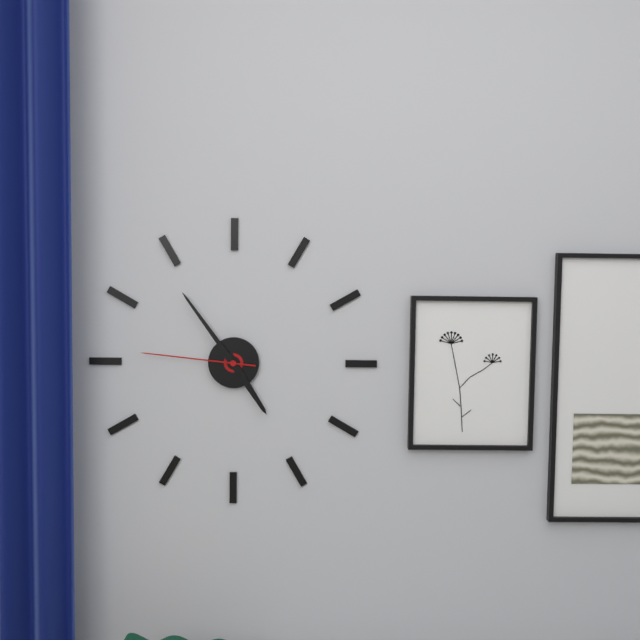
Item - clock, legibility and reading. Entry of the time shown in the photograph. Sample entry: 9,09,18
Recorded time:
4,54,46
